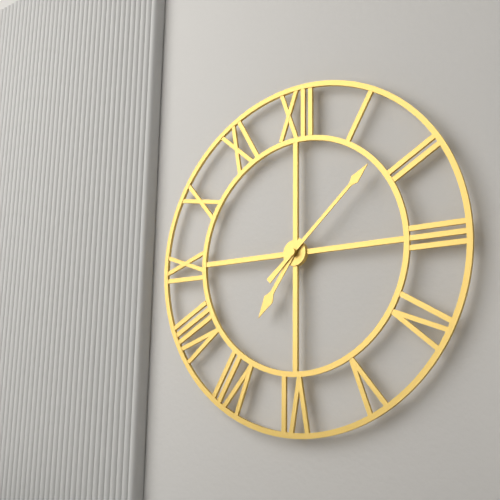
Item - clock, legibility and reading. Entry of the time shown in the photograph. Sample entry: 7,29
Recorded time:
7,08
